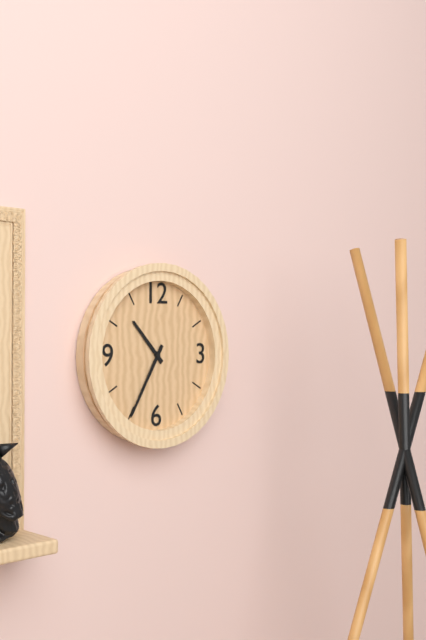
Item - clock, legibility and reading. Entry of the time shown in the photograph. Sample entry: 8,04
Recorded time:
10,35
